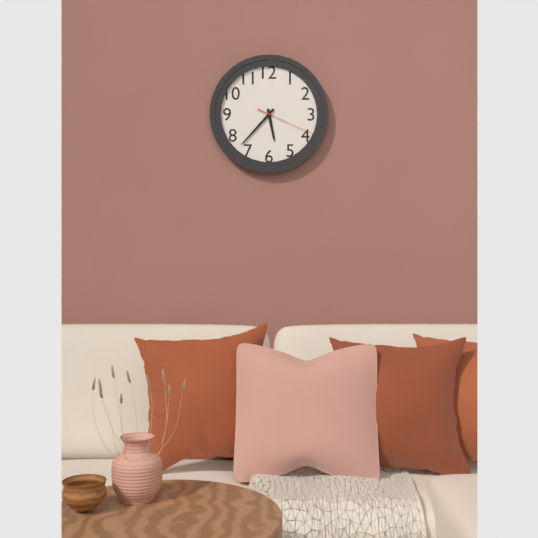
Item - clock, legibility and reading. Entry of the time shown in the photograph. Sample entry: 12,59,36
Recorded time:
5,37,19
